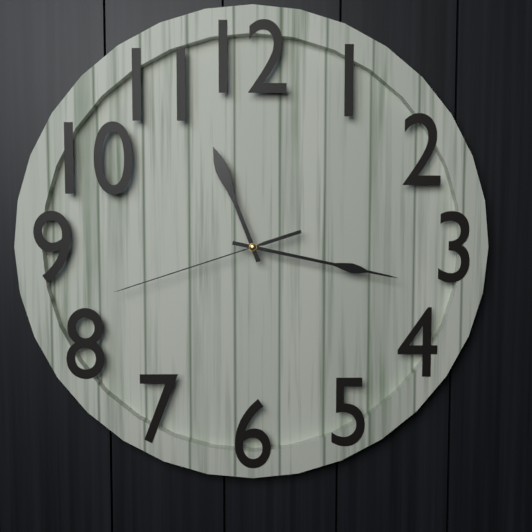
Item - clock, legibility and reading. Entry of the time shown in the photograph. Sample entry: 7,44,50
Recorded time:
11,17,42
